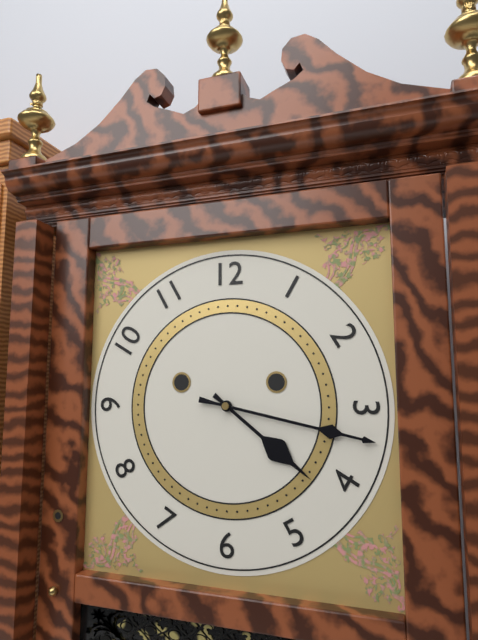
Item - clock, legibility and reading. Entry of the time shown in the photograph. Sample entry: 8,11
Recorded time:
4,17
